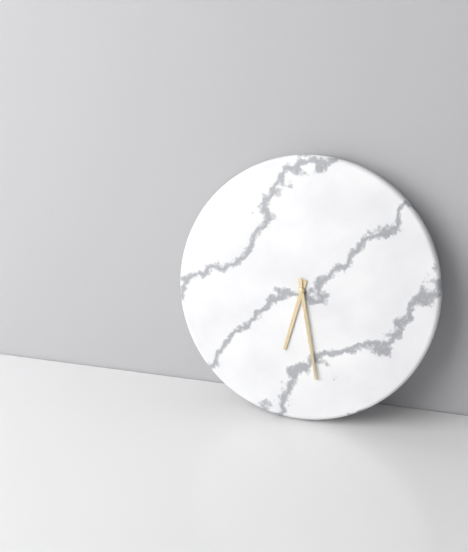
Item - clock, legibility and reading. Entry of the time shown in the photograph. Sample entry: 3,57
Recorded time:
6,28
